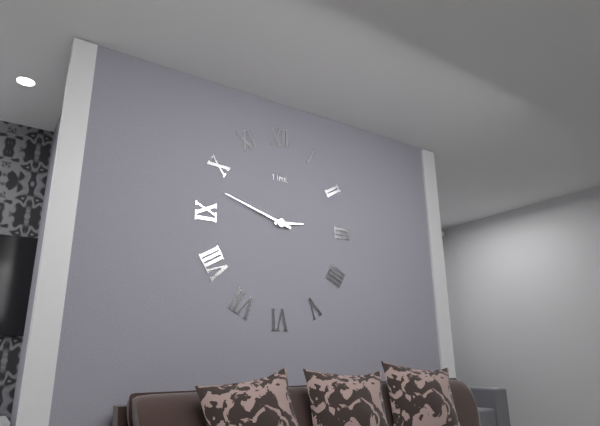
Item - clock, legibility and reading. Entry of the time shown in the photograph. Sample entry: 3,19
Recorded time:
2,48
